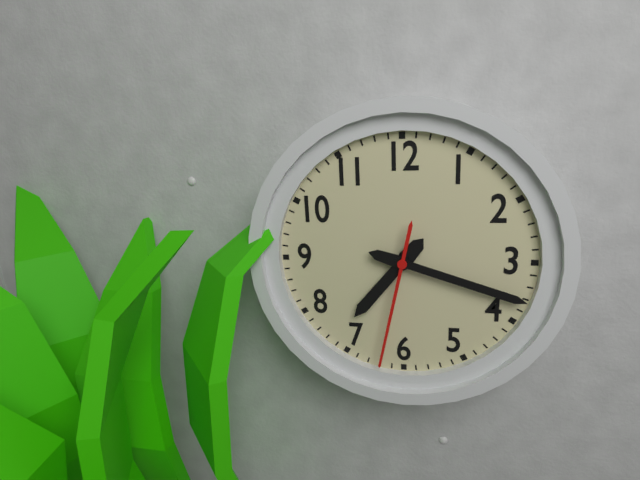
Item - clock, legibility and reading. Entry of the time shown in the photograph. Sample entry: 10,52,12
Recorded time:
7,18,32
